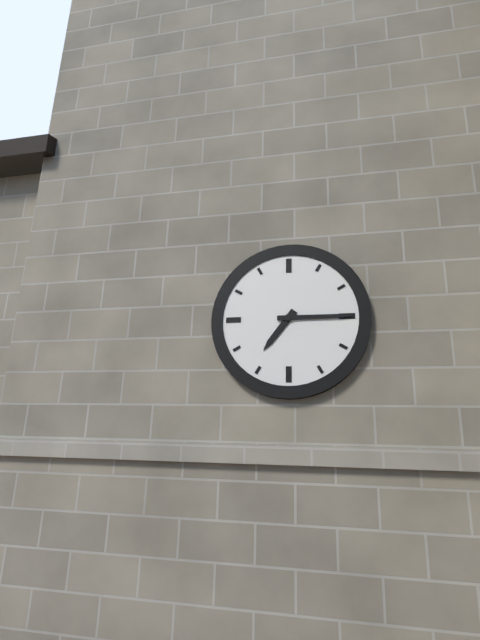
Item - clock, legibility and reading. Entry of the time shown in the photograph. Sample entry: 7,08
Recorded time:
7,15
